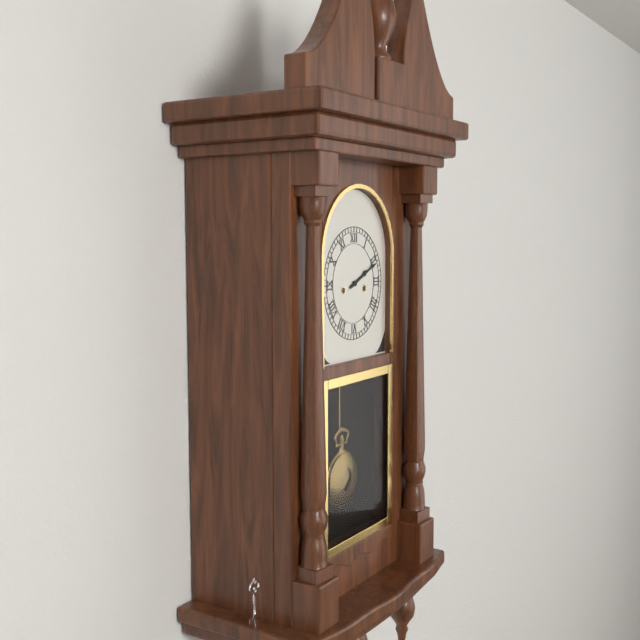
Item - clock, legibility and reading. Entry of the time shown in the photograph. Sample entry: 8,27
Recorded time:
2,11
